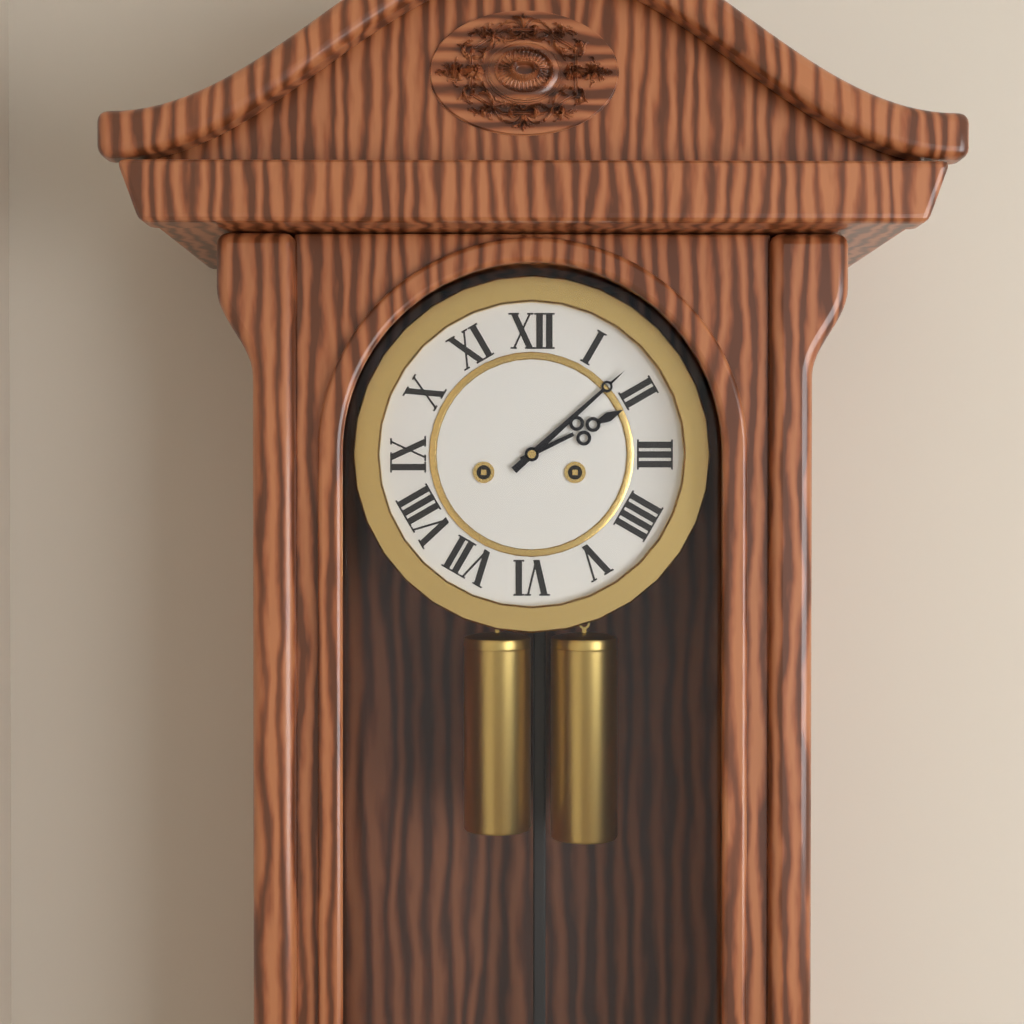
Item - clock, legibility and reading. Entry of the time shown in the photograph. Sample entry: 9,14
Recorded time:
2,08
